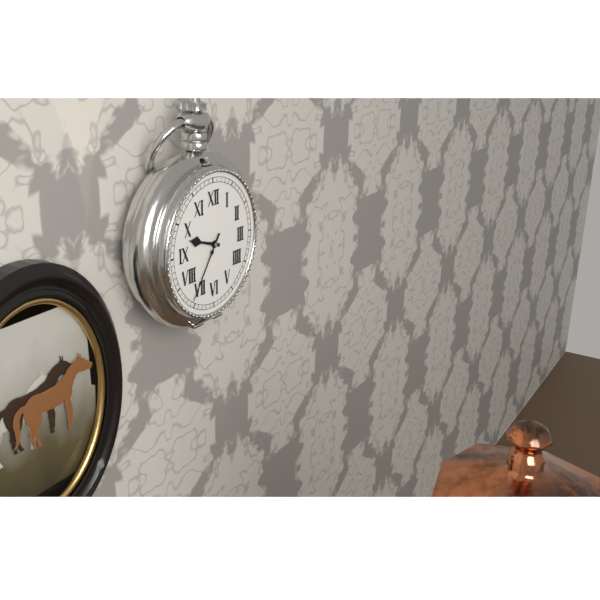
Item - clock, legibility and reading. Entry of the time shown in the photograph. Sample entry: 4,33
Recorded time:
9,36
